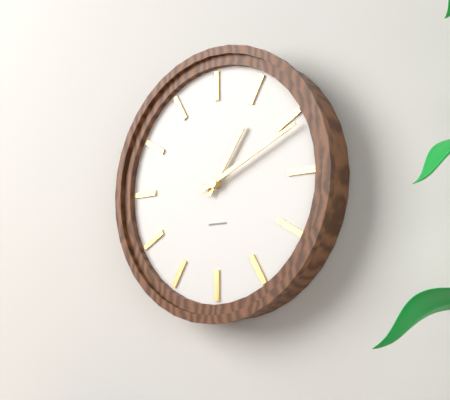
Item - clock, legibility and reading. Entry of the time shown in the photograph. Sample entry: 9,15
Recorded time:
1,11
